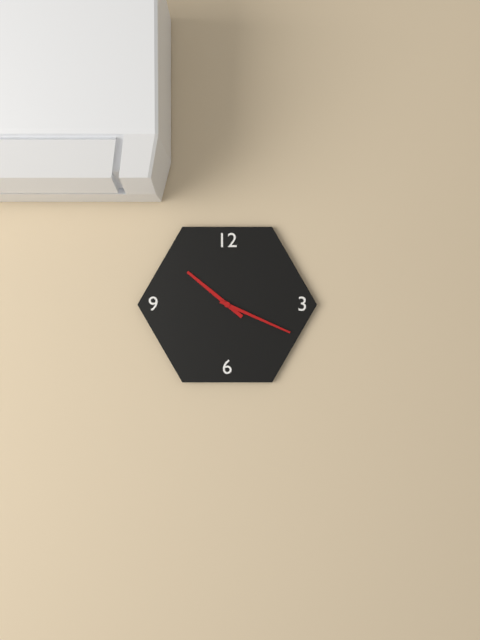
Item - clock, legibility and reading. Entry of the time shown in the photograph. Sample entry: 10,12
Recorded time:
10,19
